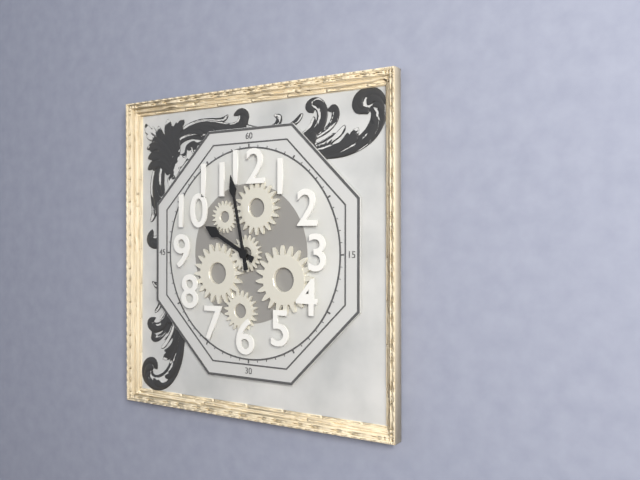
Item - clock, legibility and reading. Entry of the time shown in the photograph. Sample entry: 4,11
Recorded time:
9,58
